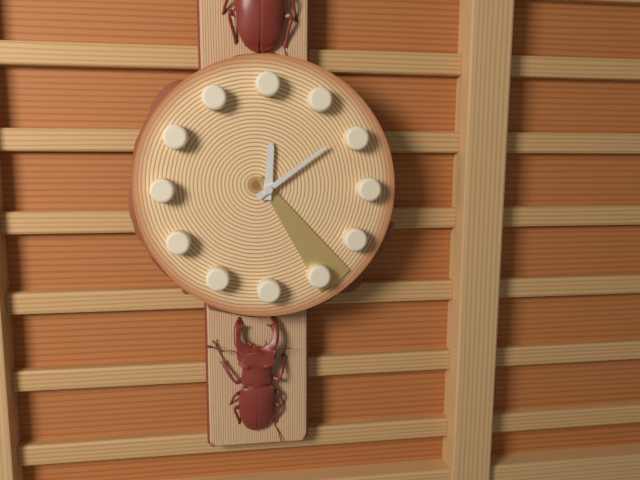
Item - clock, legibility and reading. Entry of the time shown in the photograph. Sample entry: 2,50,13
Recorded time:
12,09,24
